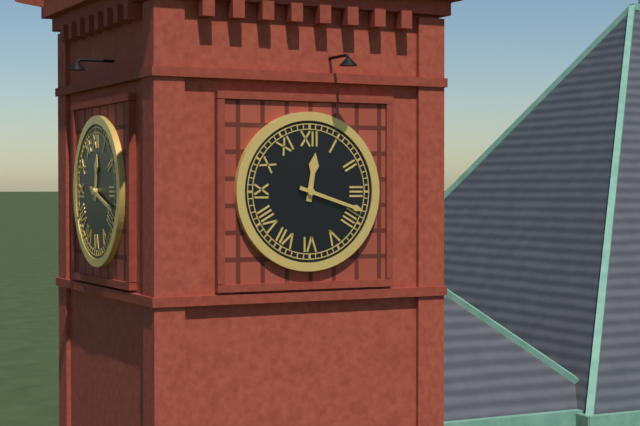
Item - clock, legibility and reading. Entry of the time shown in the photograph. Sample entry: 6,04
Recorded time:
12,18
